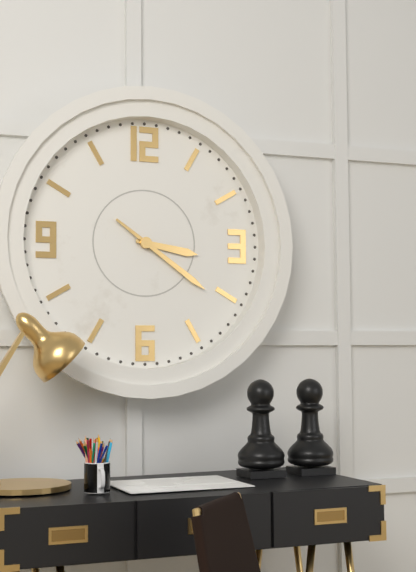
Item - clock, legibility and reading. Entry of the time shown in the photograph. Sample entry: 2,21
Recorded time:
3,21
